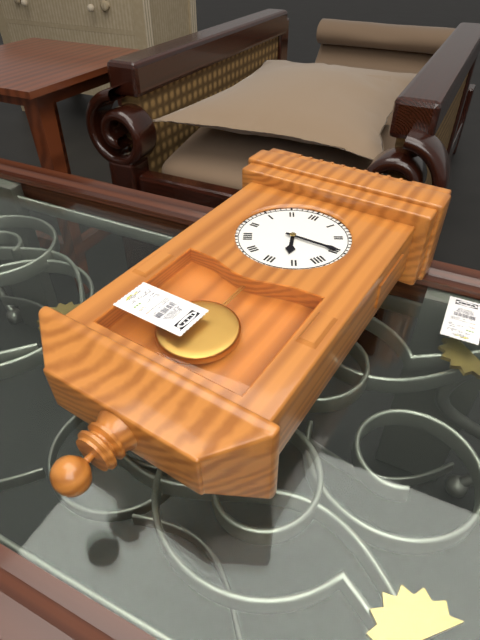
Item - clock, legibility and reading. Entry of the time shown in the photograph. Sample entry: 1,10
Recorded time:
5,15
